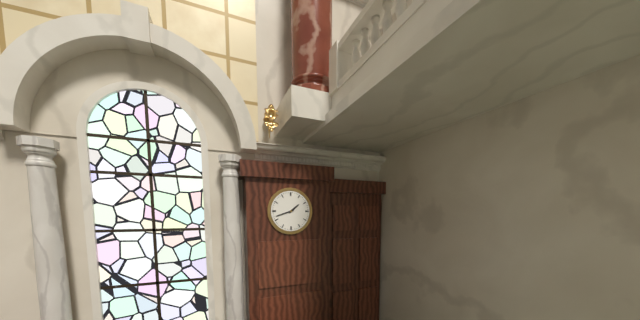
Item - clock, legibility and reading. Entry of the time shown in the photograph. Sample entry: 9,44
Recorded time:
1,42
